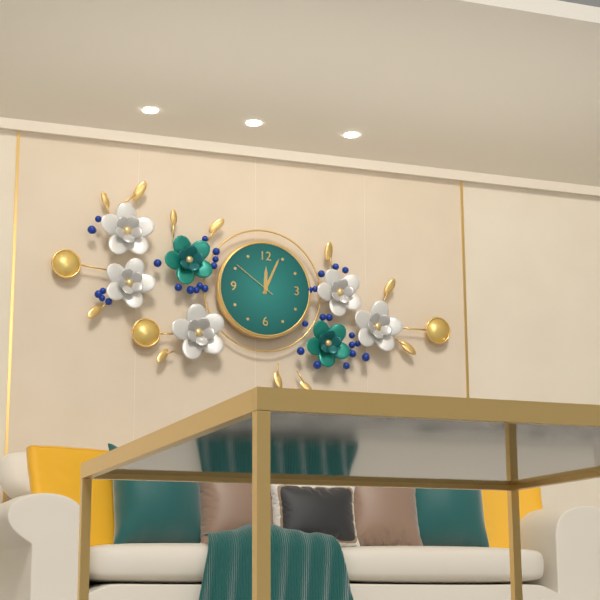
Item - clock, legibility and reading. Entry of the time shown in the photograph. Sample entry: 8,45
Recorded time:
12,04
